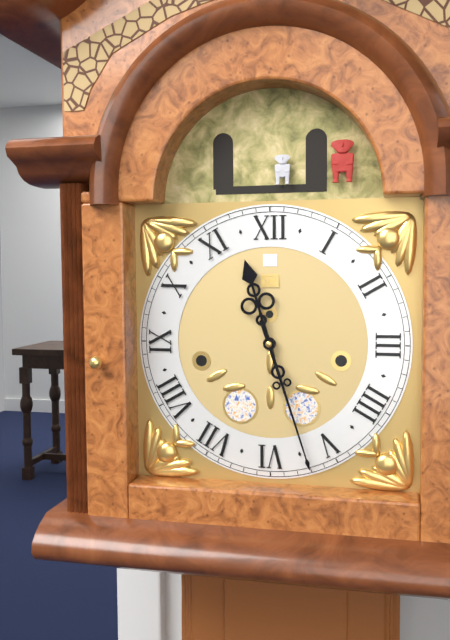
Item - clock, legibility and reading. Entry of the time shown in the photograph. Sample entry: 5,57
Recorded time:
11,27
